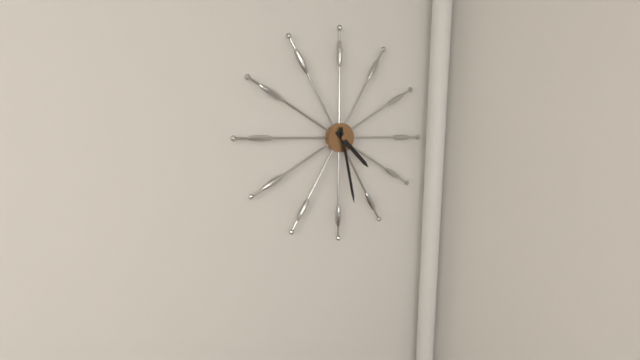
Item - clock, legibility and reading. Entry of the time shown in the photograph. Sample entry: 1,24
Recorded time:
4,28
